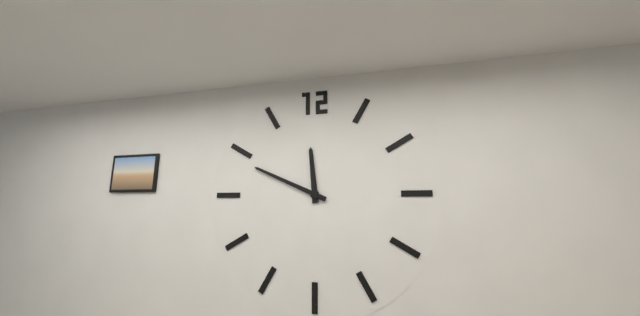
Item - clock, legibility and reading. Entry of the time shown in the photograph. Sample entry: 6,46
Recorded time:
11,49
